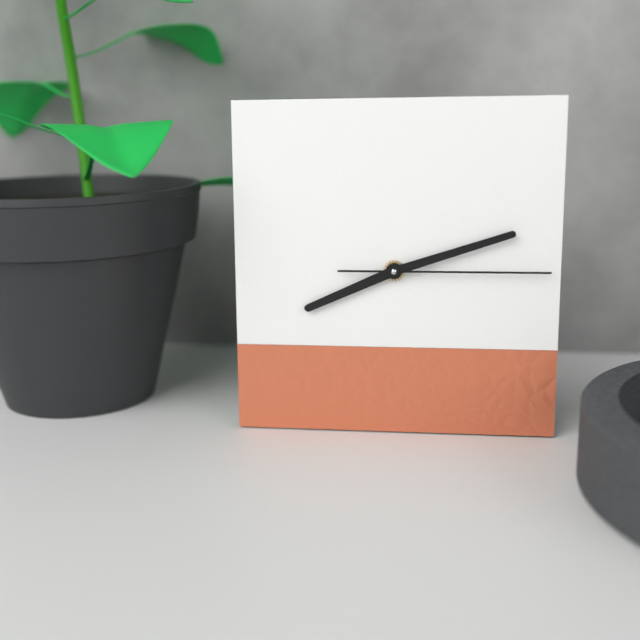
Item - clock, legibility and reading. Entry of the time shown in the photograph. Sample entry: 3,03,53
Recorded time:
8,12,15
